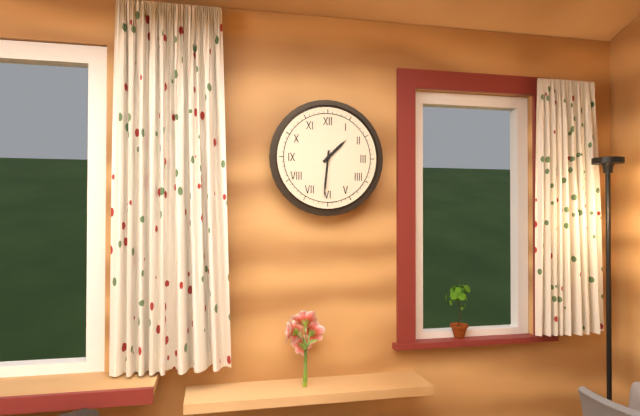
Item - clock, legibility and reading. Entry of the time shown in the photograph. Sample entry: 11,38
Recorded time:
1,31
